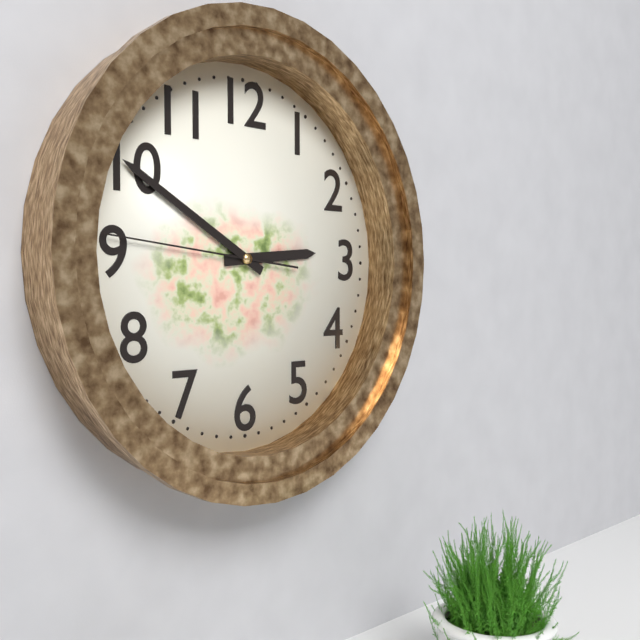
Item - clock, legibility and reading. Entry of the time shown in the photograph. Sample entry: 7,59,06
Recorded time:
2,50,46
